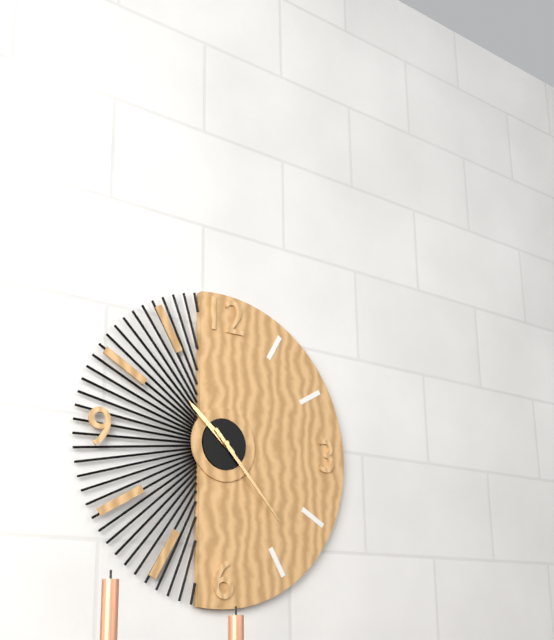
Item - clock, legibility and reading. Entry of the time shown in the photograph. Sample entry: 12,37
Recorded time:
10,23
